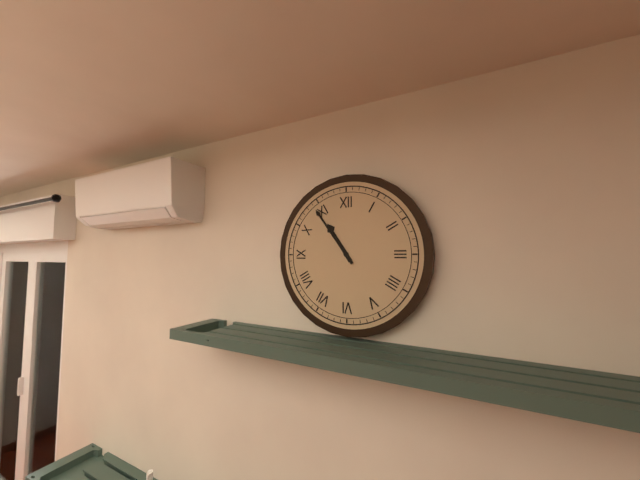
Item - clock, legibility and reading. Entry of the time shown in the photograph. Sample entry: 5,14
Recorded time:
10,54
